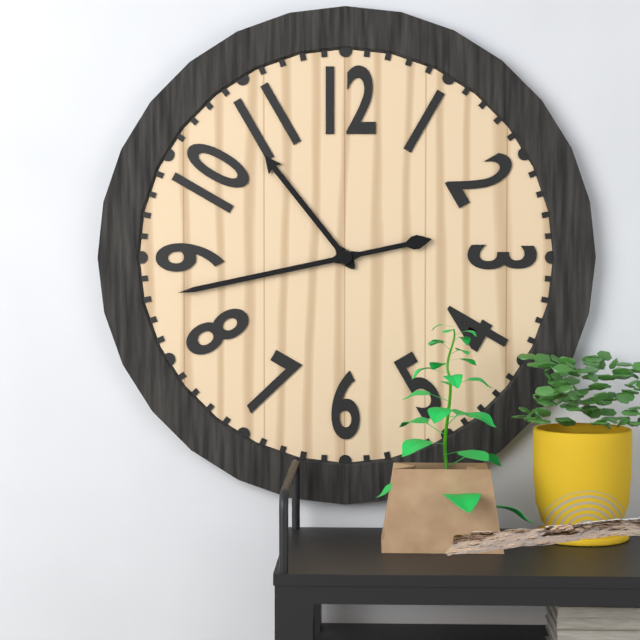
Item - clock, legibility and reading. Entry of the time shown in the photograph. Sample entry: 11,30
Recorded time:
10,43
